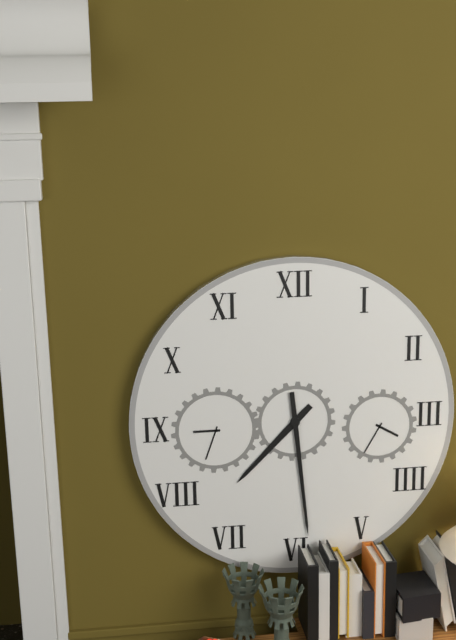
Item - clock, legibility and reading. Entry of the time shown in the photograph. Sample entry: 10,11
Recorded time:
7,29
